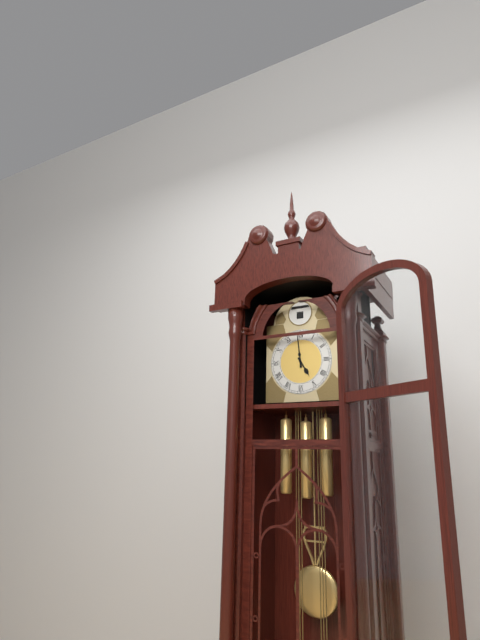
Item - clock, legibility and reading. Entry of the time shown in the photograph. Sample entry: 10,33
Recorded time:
4,59
